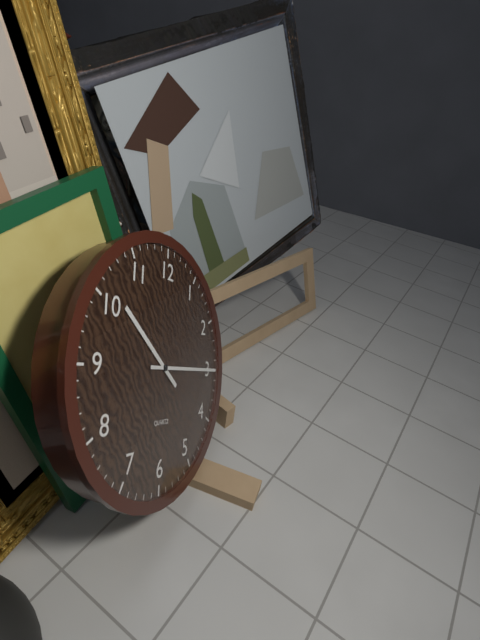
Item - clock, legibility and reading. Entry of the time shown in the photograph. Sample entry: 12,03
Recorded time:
10,15
